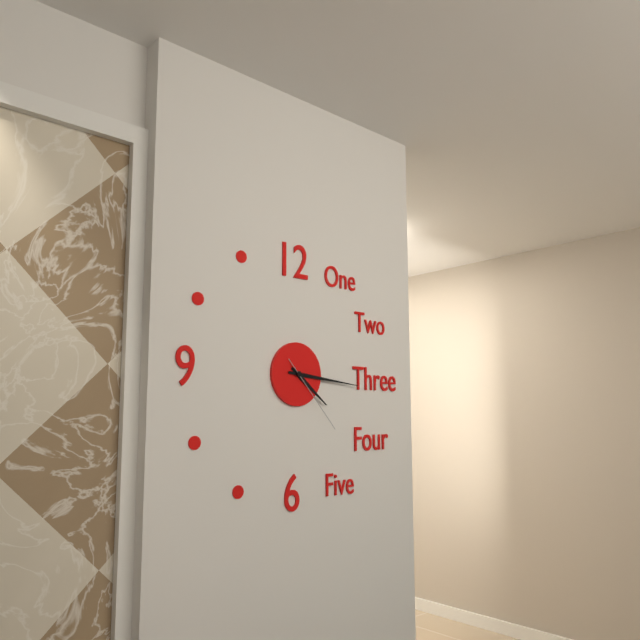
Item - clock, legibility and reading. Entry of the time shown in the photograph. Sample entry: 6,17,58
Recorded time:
4,16,23
